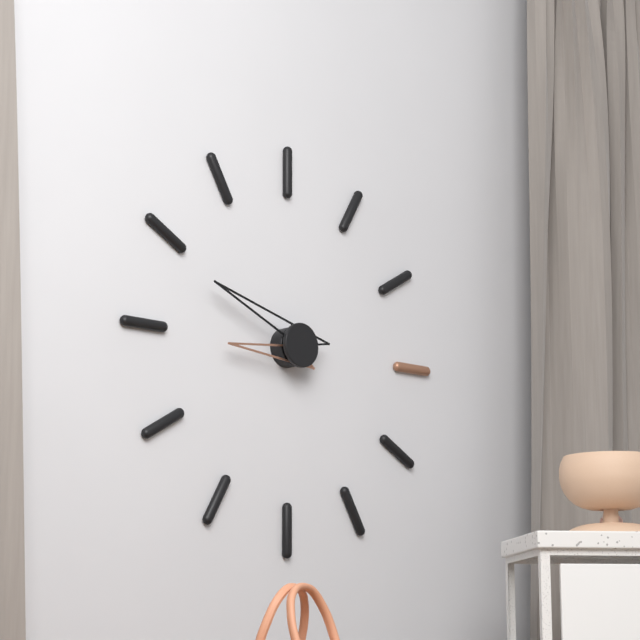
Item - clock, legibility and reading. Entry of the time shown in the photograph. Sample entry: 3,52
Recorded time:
8,49
